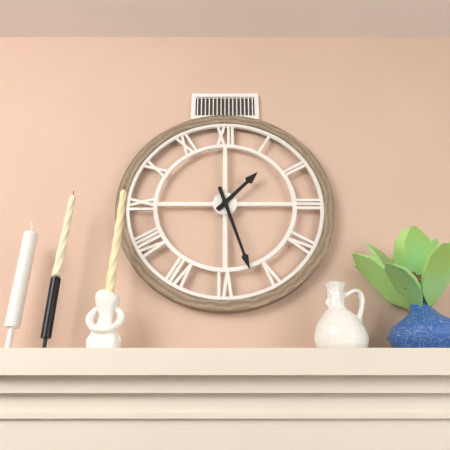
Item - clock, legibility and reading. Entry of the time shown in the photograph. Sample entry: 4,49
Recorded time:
1,27
